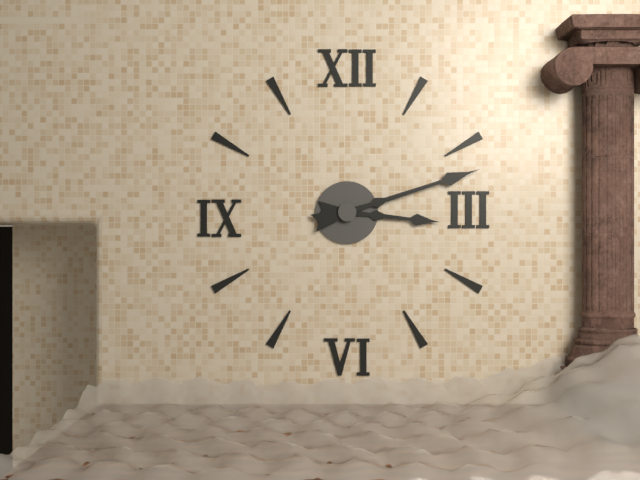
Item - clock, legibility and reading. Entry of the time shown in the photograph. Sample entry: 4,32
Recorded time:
3,12
